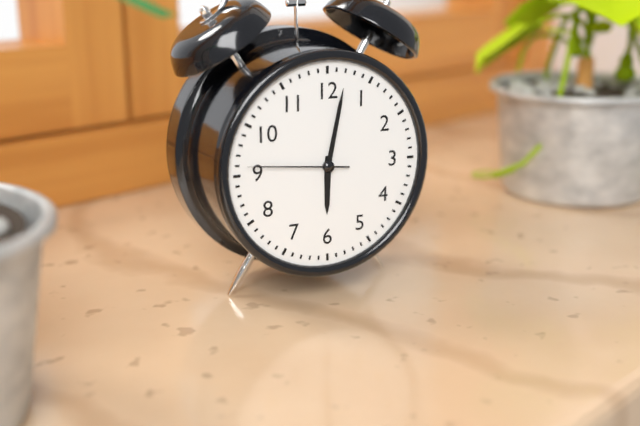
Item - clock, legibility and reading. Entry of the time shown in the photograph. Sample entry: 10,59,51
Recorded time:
6,02,46
